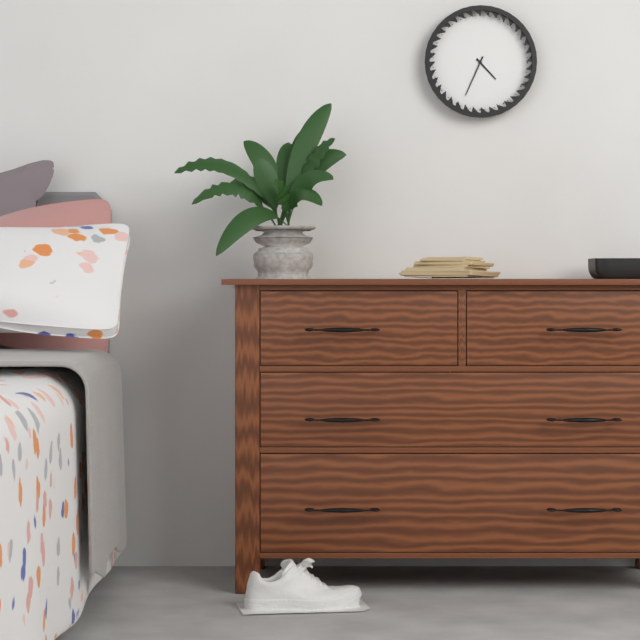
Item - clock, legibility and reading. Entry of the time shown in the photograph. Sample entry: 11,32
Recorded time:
4,34
